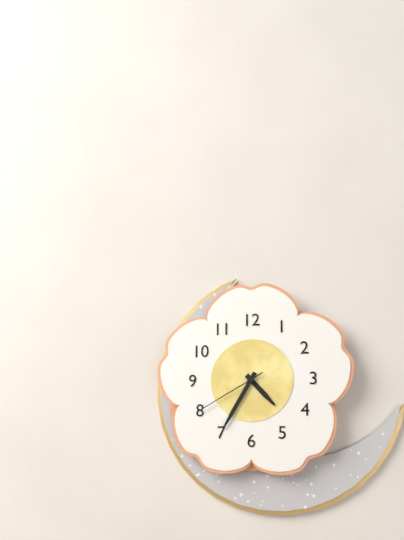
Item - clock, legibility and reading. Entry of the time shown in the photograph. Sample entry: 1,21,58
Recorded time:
4,35,40
